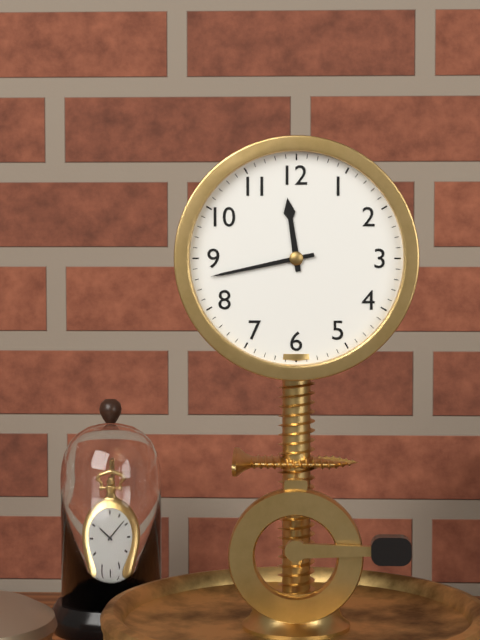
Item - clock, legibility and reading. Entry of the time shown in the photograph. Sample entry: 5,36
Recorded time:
11,43
